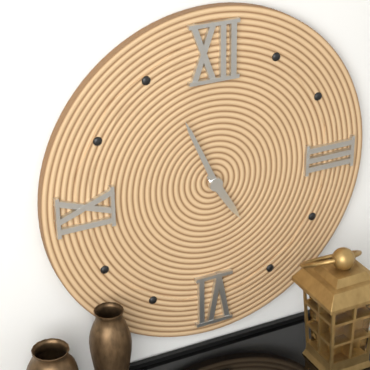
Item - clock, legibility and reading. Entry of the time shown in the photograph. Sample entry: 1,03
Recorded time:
4,56
